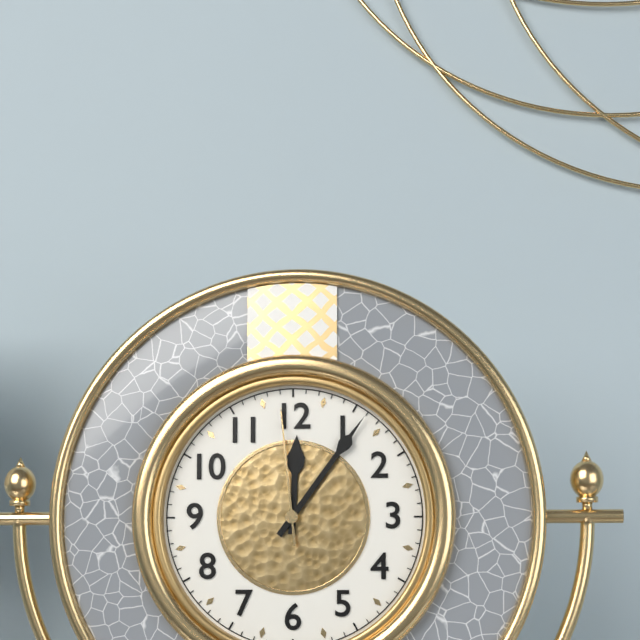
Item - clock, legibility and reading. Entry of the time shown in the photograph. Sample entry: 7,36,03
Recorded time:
12,06,59
